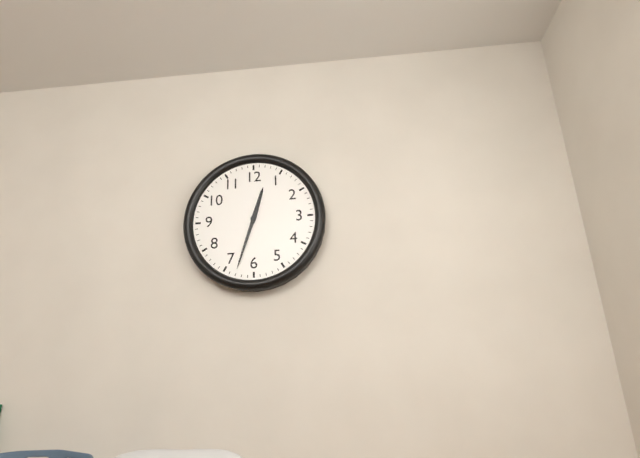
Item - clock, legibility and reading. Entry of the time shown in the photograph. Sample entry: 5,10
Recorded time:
12,33
